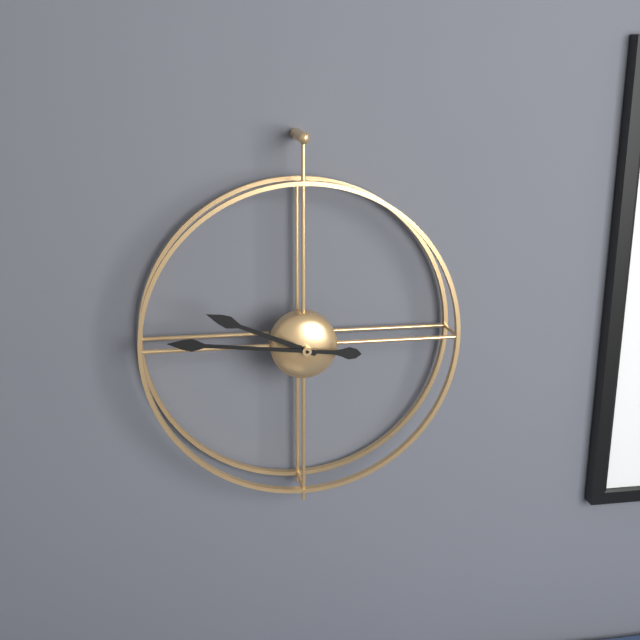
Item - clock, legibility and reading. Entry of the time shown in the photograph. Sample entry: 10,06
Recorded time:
9,46
